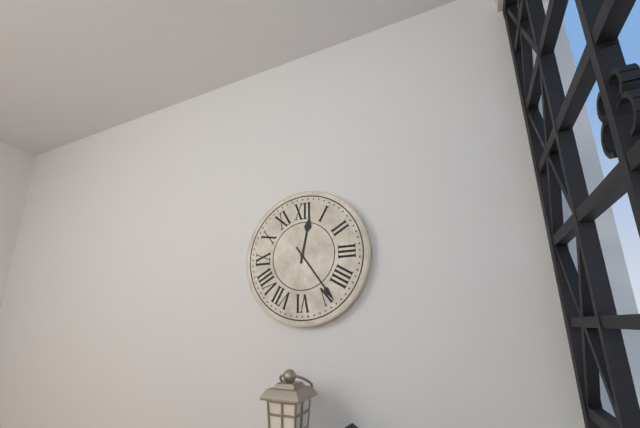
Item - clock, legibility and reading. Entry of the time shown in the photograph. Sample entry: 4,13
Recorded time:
12,24
